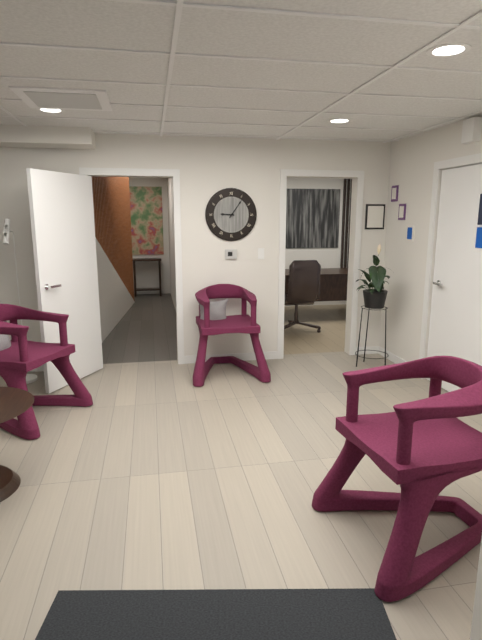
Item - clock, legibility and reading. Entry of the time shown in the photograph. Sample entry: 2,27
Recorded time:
9,06
